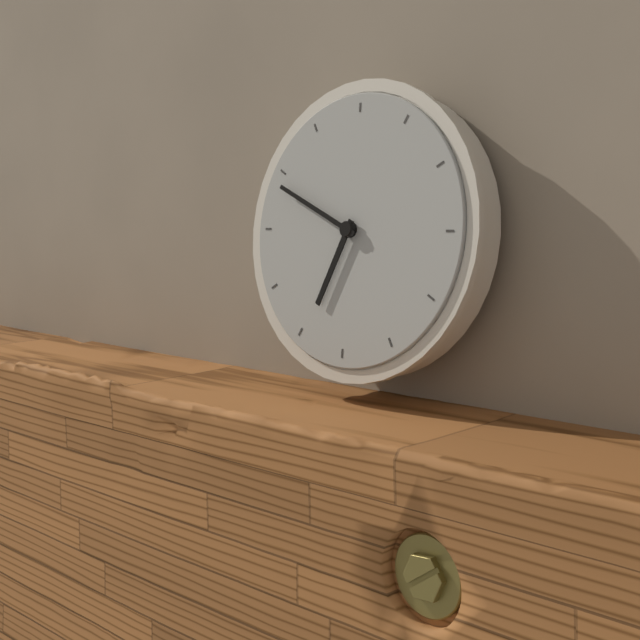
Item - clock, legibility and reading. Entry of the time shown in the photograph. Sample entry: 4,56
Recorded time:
6,49
